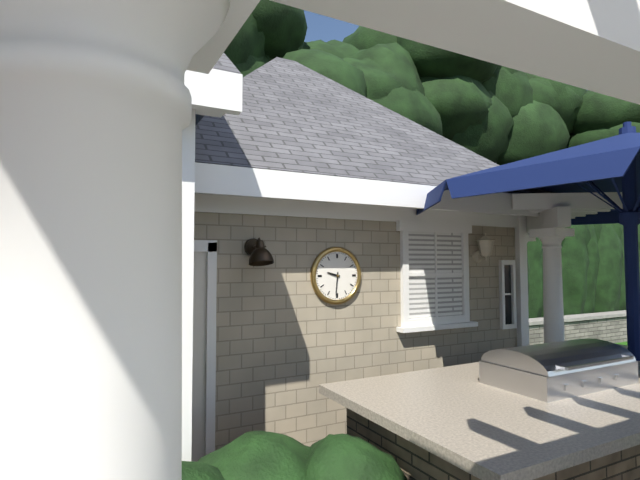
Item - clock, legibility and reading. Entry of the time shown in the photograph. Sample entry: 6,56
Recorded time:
9,31
